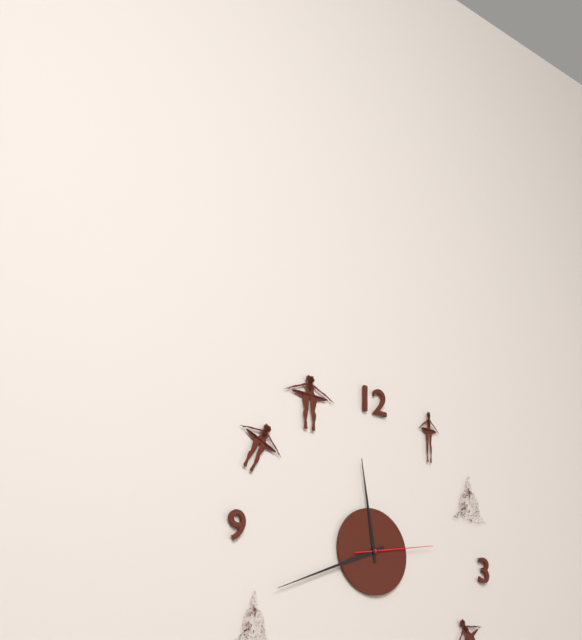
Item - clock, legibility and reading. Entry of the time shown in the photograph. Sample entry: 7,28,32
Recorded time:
11,41,13
